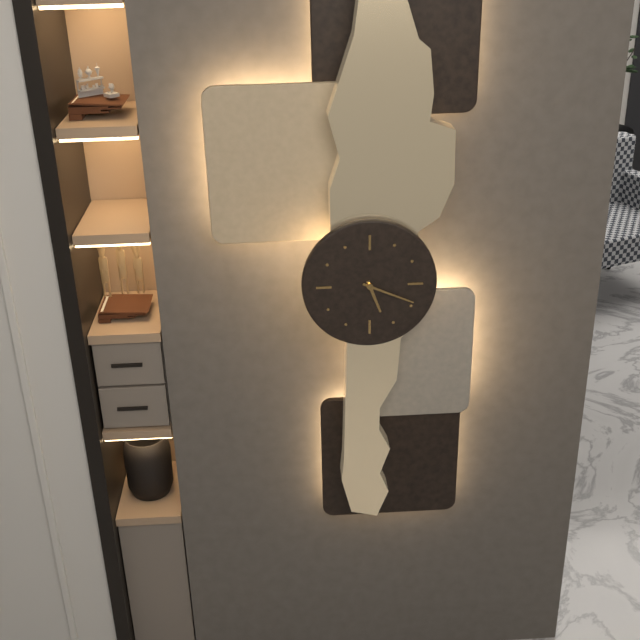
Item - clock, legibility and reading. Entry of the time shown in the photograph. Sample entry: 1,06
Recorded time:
5,19
